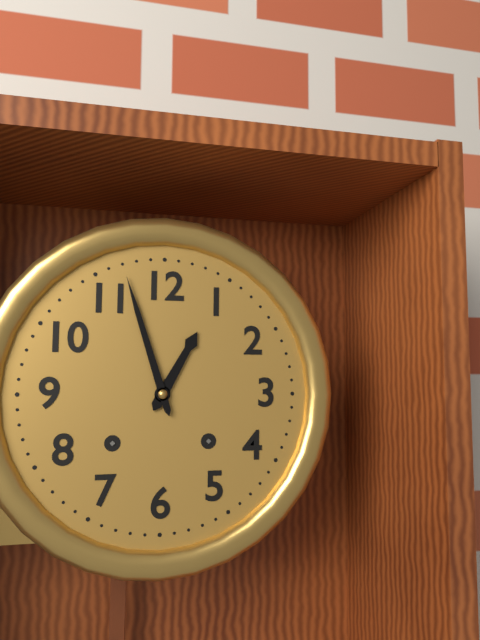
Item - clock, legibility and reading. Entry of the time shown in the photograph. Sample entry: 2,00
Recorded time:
12,57
